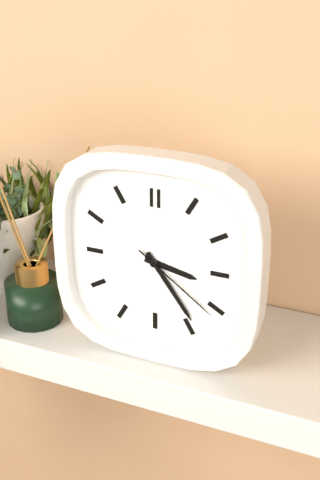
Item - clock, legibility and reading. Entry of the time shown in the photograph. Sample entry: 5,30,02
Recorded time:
3,24,21
